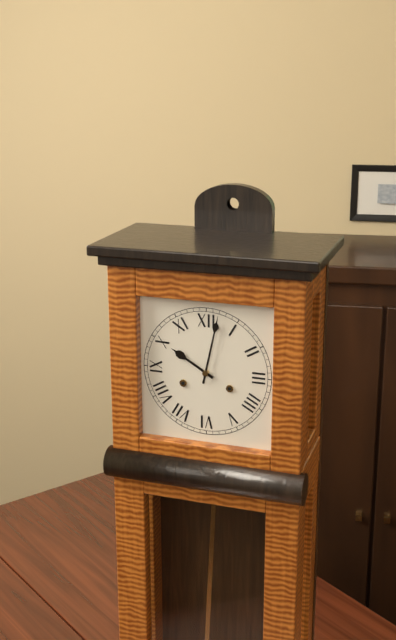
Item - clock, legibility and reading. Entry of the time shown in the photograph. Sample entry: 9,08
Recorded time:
10,02
